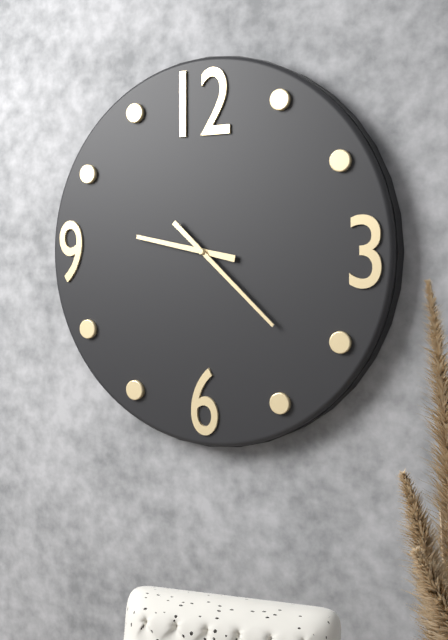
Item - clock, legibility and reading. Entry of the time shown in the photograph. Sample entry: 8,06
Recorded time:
9,22
